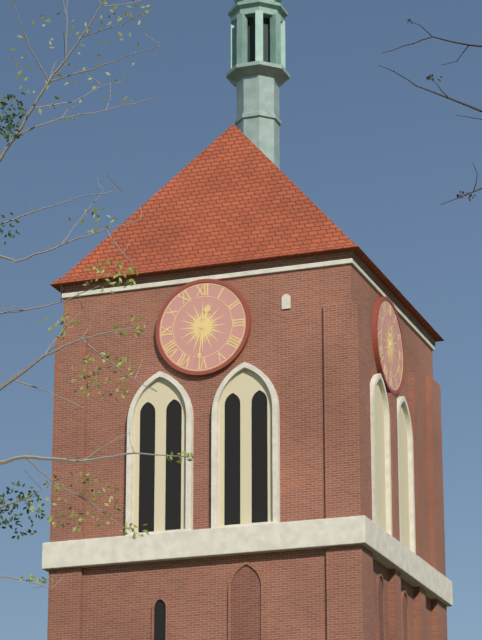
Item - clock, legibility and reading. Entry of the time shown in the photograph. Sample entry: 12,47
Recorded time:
12,31
